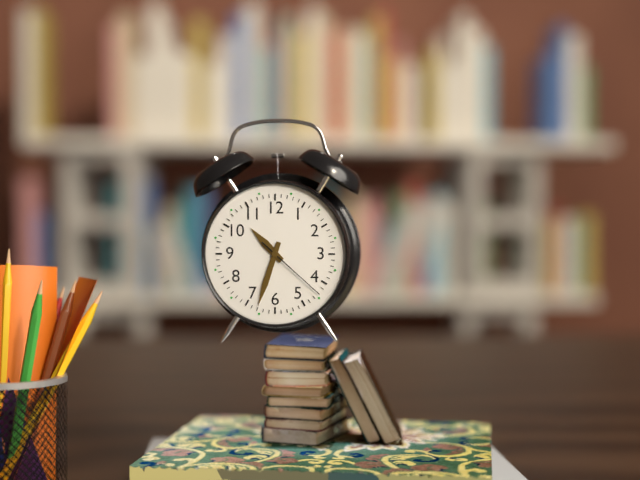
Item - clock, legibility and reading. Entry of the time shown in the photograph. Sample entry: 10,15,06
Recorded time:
10,33,22
